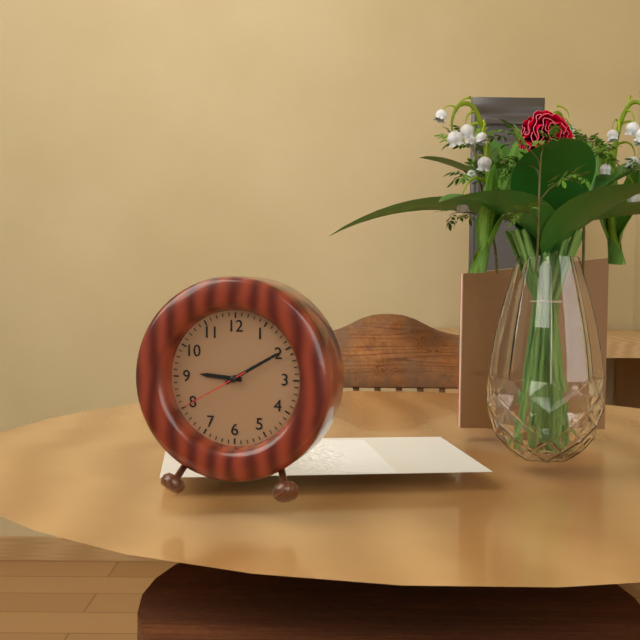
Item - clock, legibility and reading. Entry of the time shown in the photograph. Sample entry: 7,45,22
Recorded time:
9,10,40
